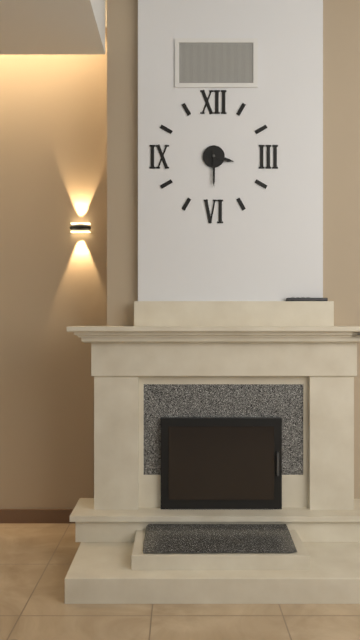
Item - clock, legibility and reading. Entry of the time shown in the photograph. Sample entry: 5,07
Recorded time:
3,30
